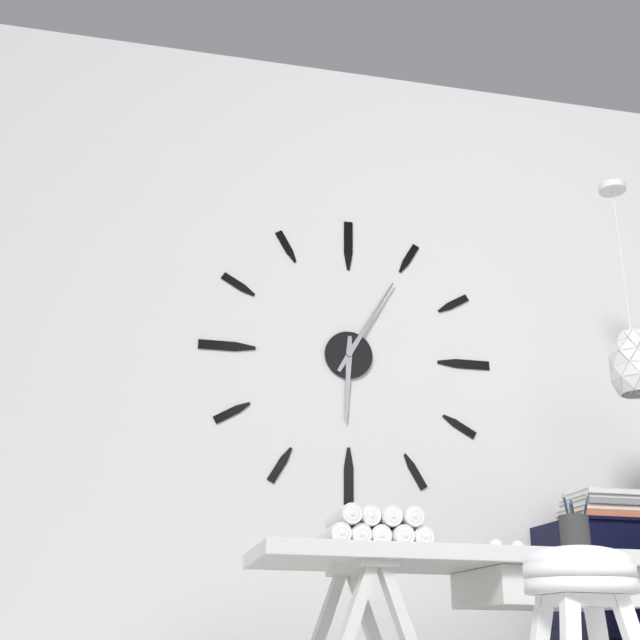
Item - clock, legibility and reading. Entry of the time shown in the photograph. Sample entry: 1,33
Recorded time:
6,05
